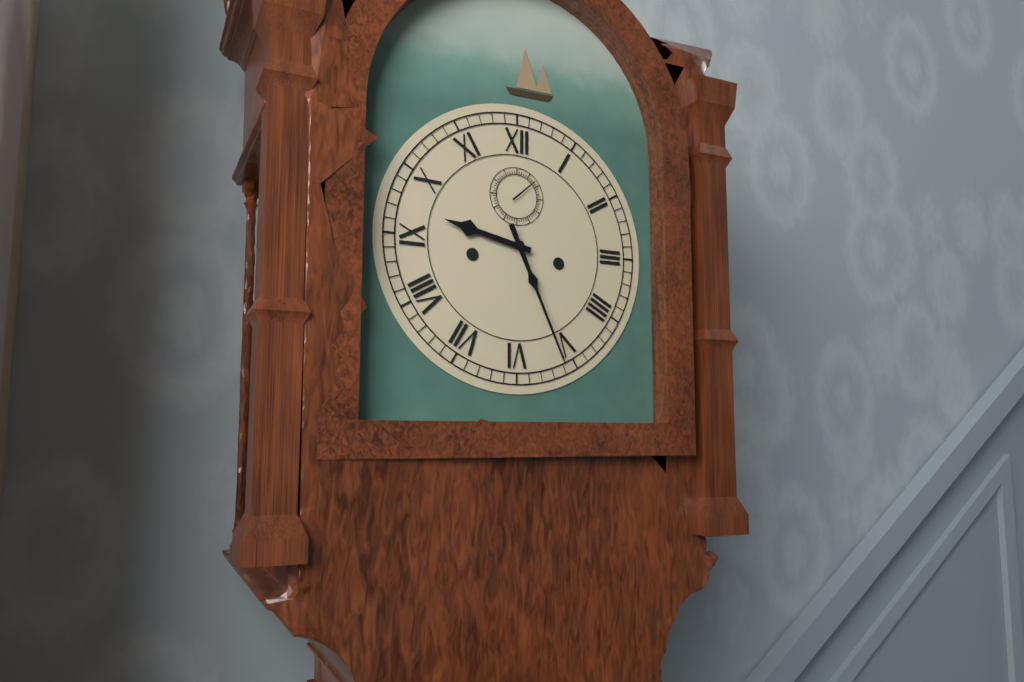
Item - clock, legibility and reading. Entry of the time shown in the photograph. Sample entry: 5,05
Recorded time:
9,26
